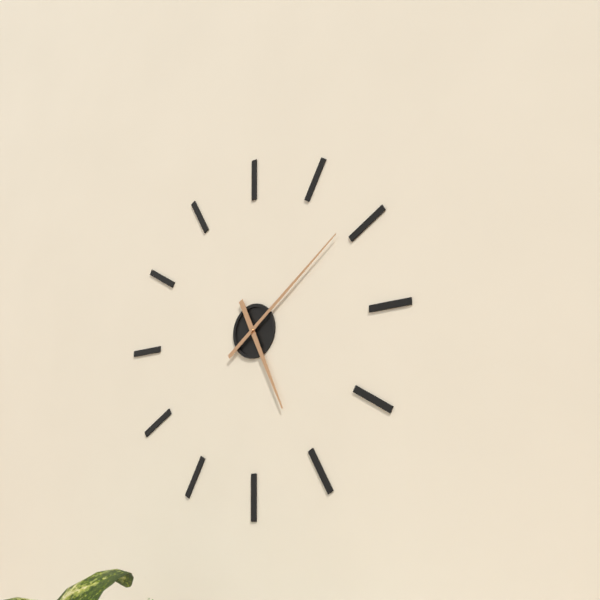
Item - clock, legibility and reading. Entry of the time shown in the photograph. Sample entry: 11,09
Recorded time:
5,09
